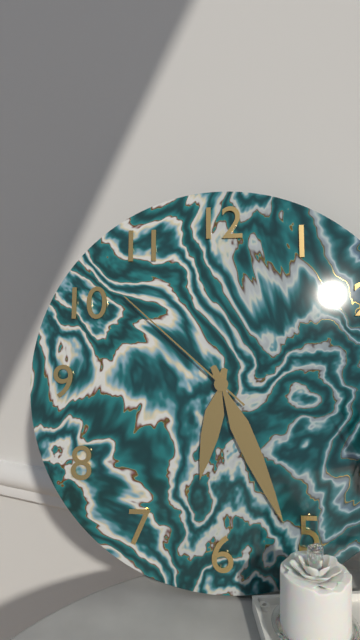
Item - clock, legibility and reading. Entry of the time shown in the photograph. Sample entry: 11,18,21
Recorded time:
6,26,52
